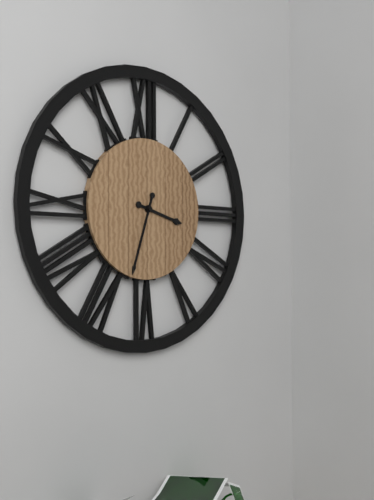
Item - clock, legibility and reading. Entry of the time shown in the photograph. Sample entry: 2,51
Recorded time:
3,33
